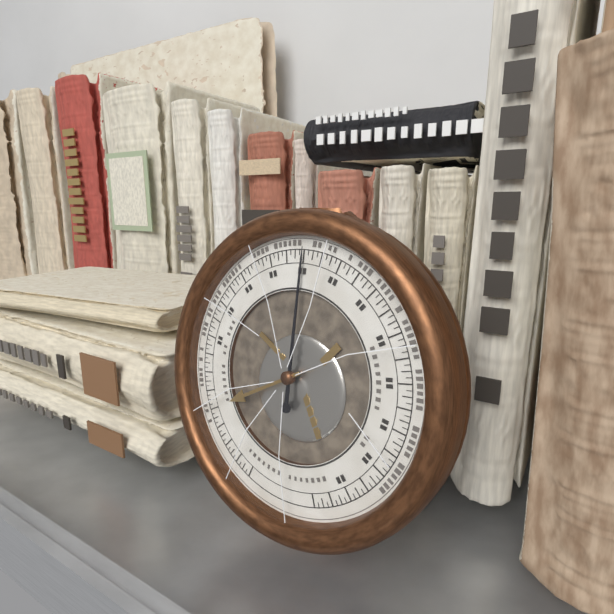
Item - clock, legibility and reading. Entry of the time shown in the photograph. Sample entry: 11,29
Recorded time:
8,00
